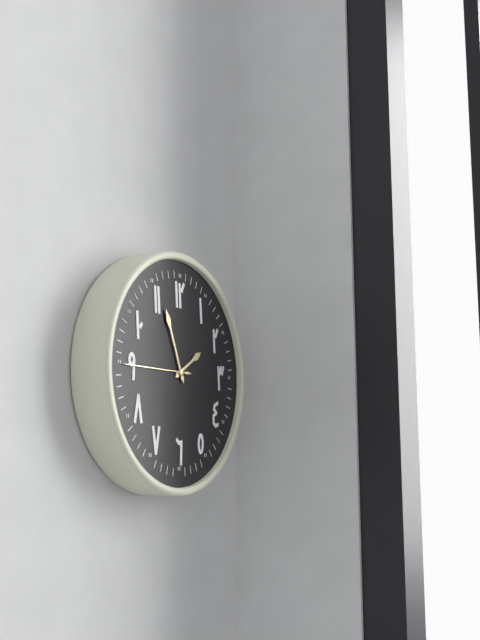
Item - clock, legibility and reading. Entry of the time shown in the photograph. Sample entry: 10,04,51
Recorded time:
1,56,45
